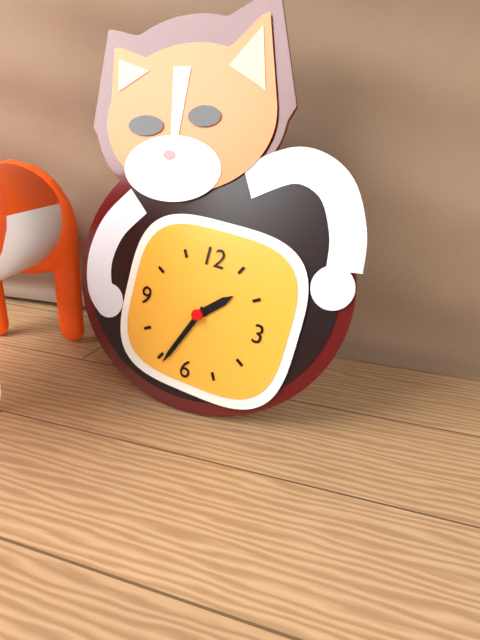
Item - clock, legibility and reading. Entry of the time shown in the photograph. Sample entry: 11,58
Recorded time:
1,34
